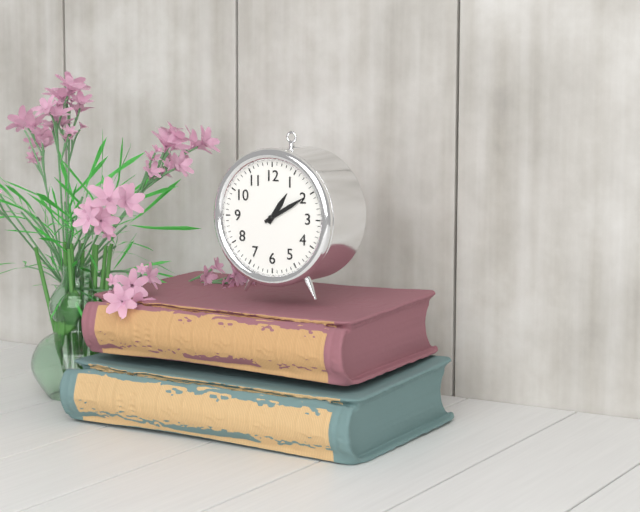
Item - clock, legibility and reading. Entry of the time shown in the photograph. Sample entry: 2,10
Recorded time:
1,10
